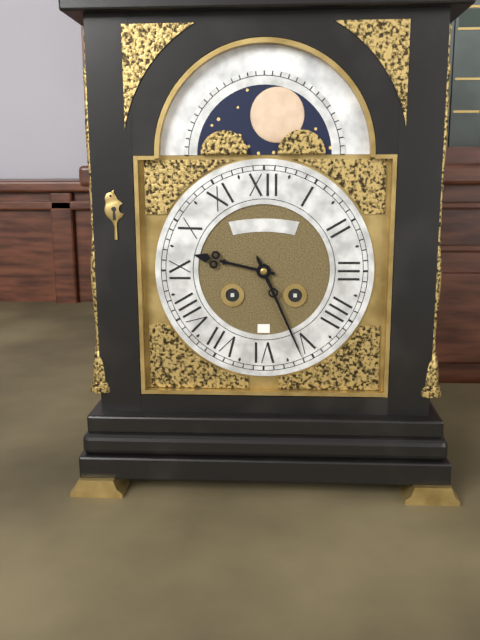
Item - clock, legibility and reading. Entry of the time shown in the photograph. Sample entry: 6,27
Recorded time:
9,26
